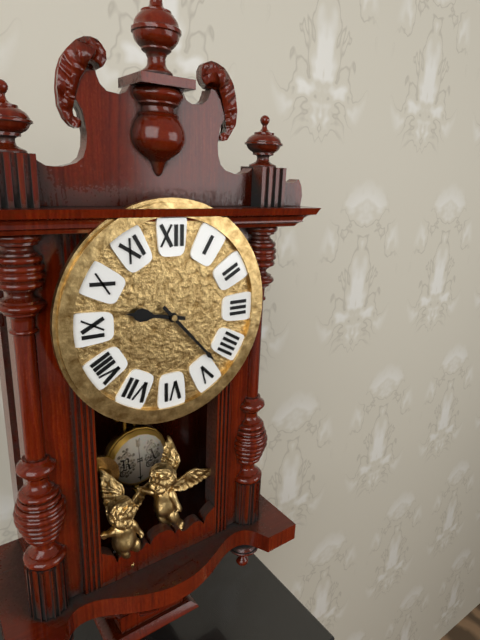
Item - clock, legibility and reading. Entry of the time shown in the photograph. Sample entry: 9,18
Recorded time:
9,23
